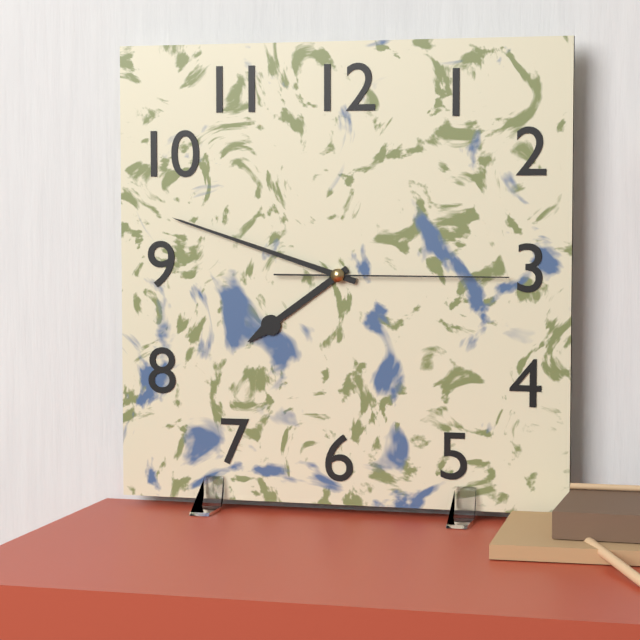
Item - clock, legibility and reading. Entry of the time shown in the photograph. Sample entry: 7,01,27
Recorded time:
7,48,15
